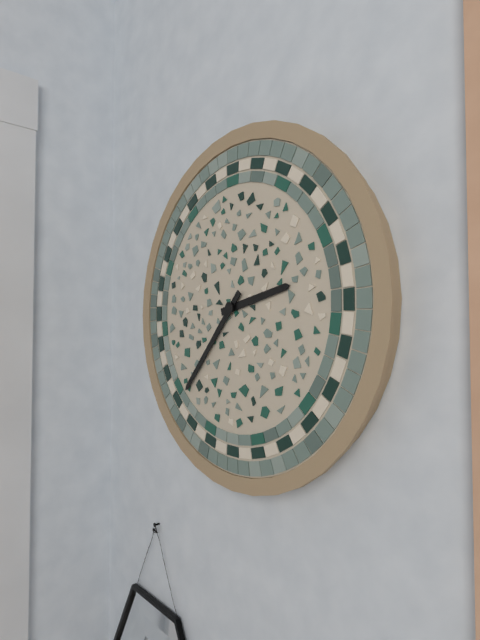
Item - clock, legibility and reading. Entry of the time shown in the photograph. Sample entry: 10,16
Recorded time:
2,37
